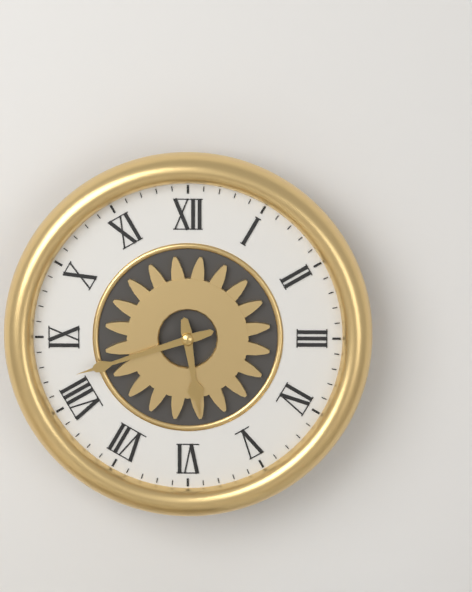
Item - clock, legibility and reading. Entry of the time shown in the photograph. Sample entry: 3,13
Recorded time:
5,42
